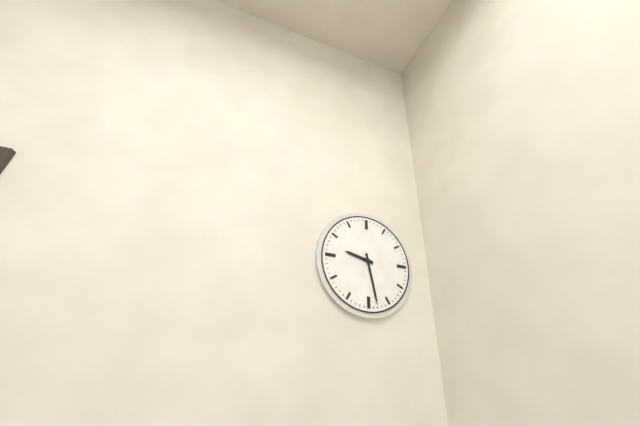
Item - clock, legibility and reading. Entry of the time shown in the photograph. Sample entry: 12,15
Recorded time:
9,28
